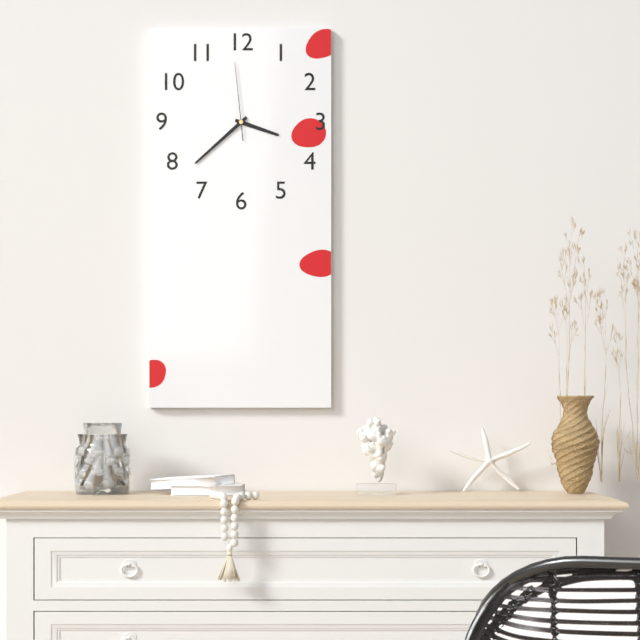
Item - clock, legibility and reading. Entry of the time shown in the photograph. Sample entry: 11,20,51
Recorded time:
3,38,59
